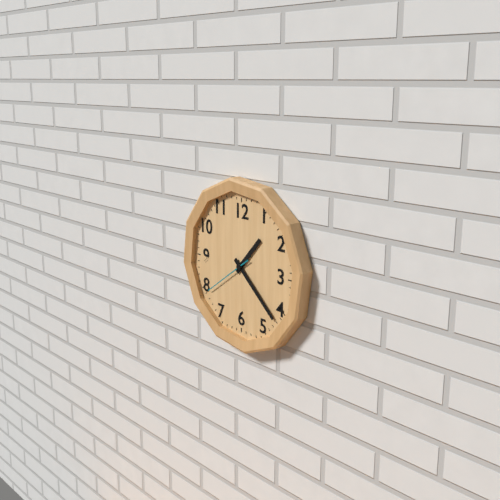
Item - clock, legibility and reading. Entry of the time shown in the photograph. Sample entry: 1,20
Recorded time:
1,22
